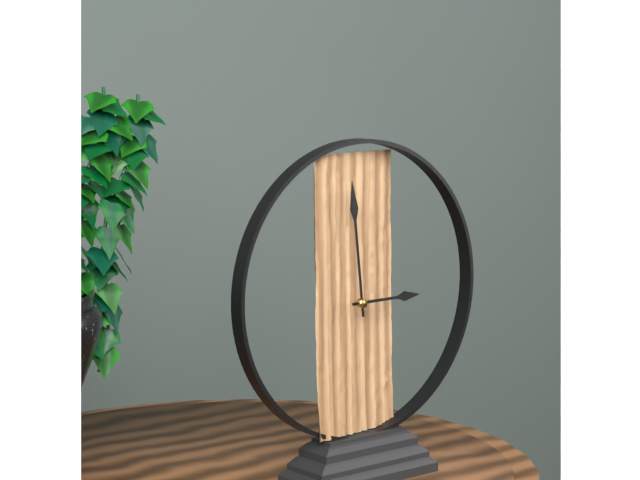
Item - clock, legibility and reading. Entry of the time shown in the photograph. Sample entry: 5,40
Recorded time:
2,59
